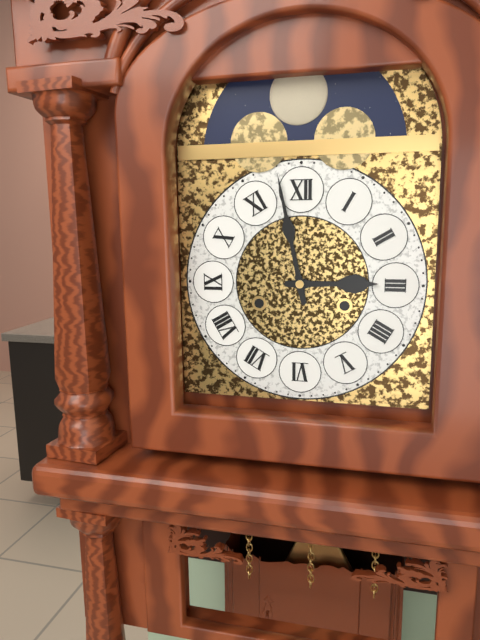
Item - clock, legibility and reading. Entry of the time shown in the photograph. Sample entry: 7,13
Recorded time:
2,58
